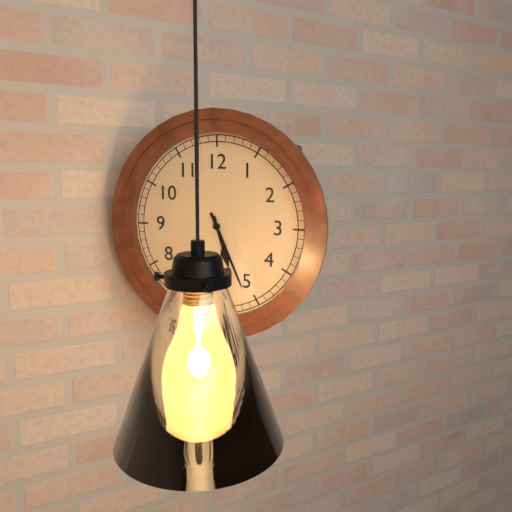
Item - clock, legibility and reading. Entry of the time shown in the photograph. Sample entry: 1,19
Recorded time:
5,26
